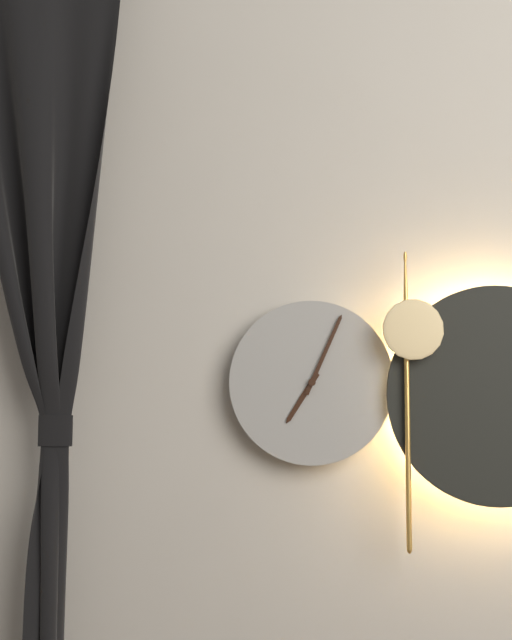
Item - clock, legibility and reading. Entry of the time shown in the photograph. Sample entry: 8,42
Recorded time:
7,04
